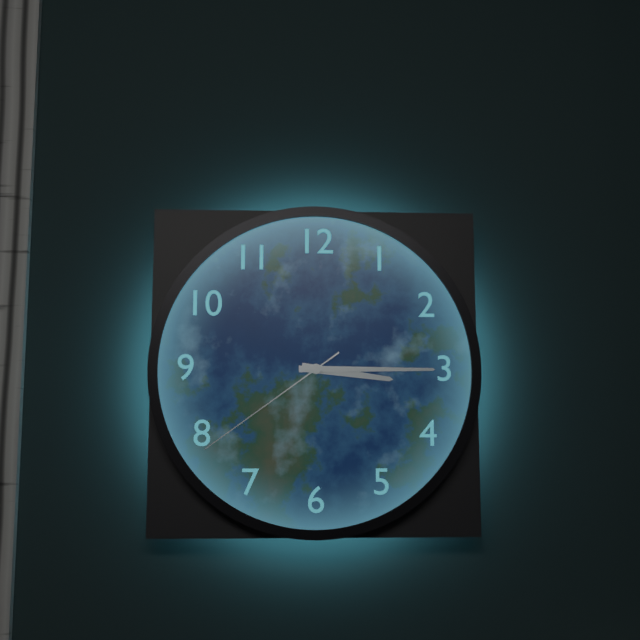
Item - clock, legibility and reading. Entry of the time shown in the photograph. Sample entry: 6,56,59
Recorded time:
3,15,39
